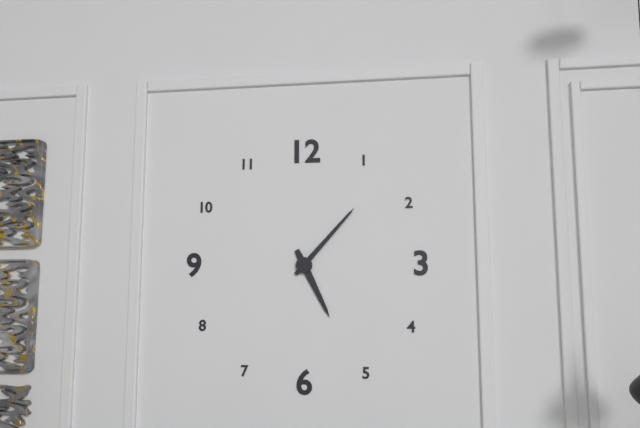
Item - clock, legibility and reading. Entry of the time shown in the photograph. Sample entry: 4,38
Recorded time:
5,07
